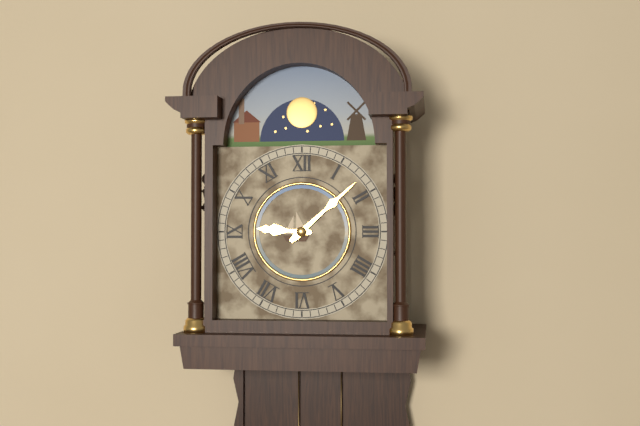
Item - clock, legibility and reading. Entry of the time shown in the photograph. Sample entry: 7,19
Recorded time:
9,08
